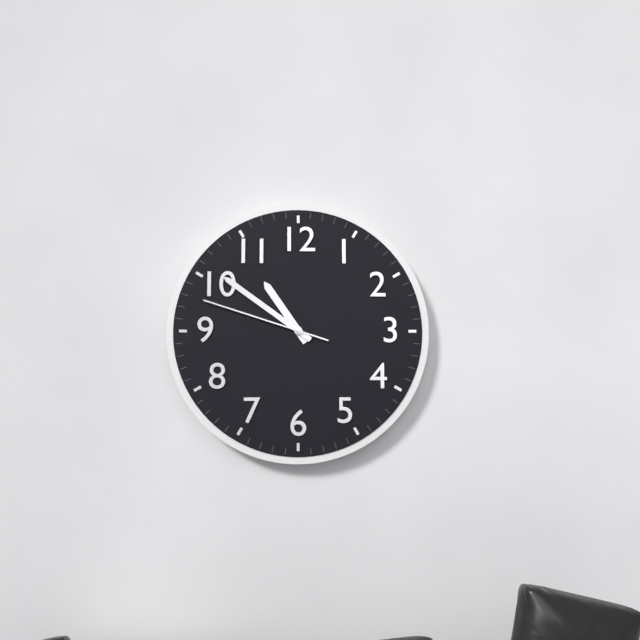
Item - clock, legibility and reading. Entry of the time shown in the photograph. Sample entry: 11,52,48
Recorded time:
10,51,48
